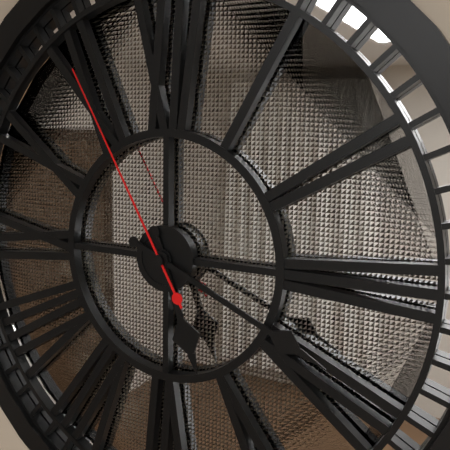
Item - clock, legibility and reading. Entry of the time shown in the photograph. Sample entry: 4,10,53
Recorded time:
5,19,55
